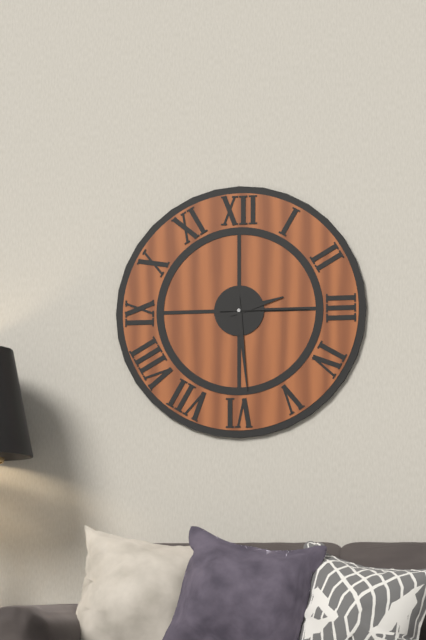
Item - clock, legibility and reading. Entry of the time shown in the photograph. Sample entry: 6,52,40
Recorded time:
2,29,15
